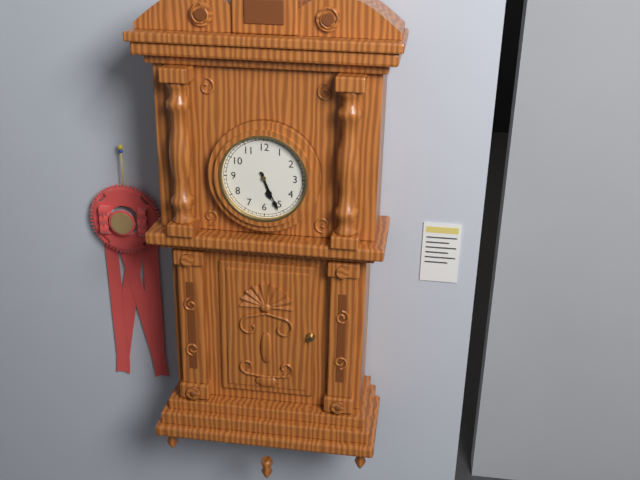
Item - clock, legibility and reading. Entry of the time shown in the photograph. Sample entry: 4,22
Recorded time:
5,26
